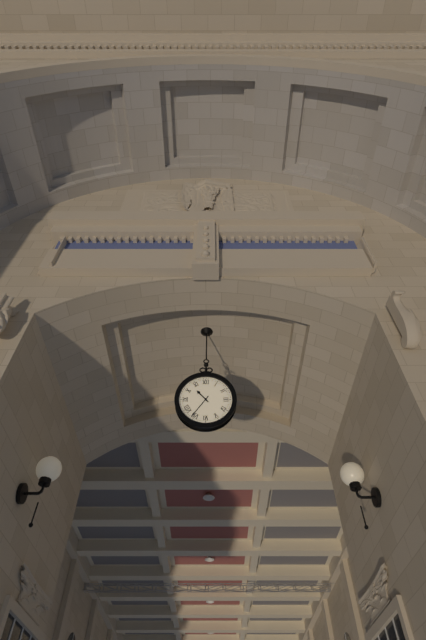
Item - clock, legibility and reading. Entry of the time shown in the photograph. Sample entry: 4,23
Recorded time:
10,36
